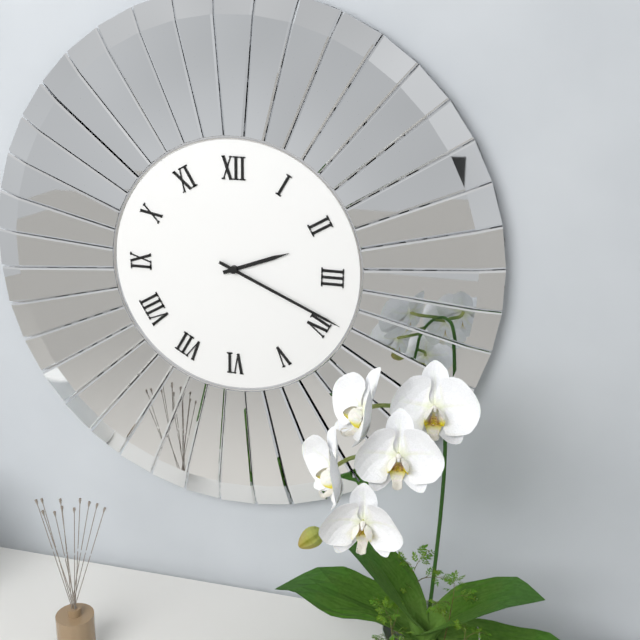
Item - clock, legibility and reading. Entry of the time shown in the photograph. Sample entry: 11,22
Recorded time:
2,19
